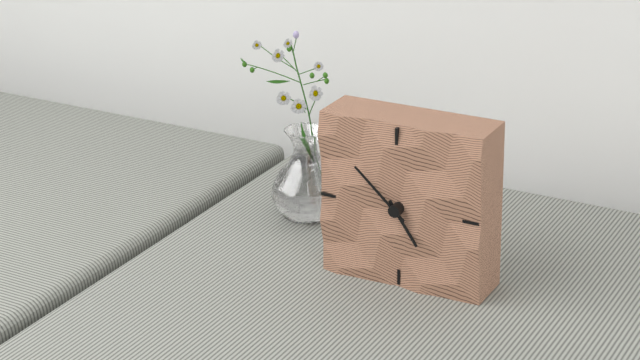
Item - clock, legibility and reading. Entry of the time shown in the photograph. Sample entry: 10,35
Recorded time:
4,52
